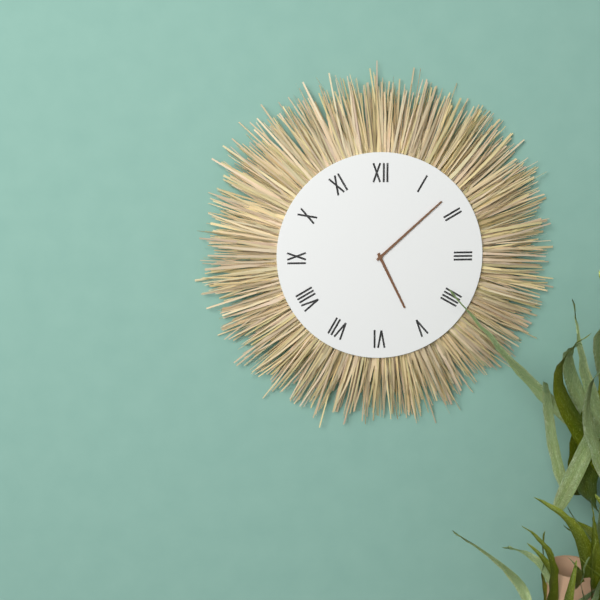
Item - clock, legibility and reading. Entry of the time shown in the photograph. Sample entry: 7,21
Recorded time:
5,08
